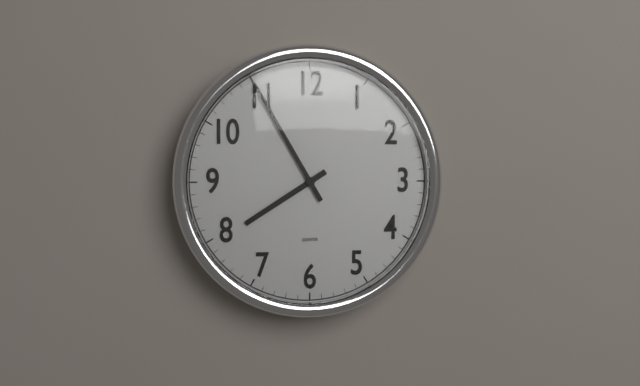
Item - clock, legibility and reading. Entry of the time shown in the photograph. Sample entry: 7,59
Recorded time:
7,55
